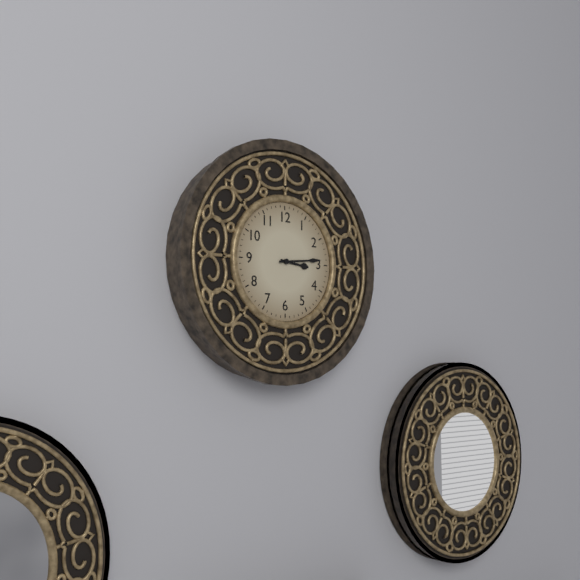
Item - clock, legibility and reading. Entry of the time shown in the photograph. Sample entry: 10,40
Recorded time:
3,14
